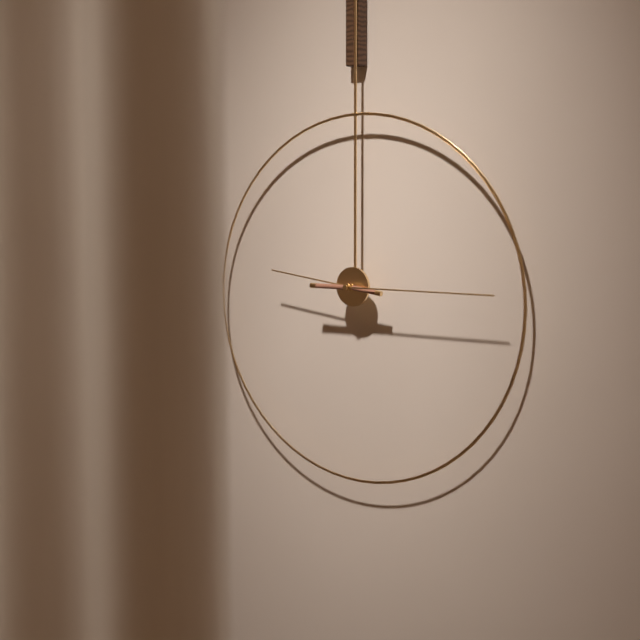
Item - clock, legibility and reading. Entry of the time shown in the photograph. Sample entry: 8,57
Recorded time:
9,15
